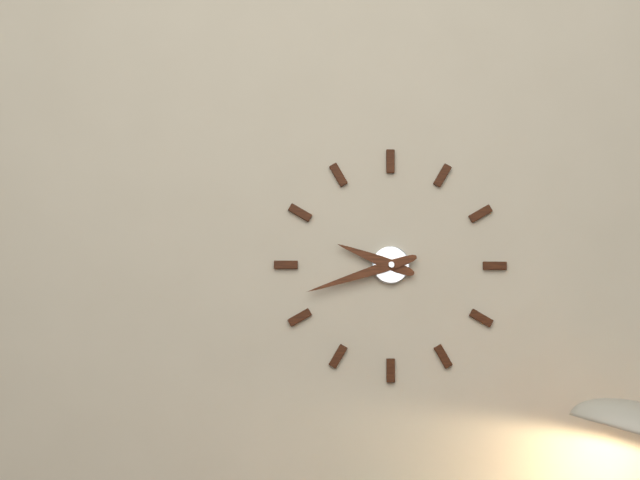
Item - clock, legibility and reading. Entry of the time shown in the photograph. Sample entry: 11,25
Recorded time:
9,42
